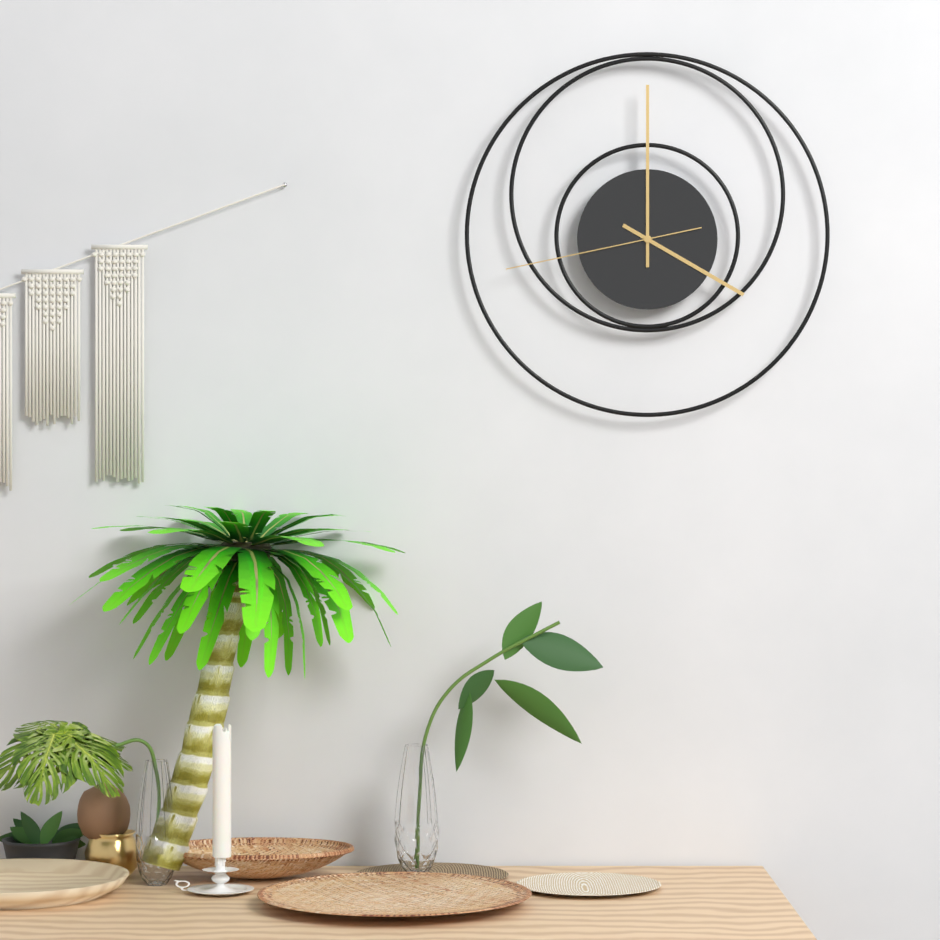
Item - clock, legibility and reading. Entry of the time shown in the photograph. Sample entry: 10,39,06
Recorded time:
4,00,43
